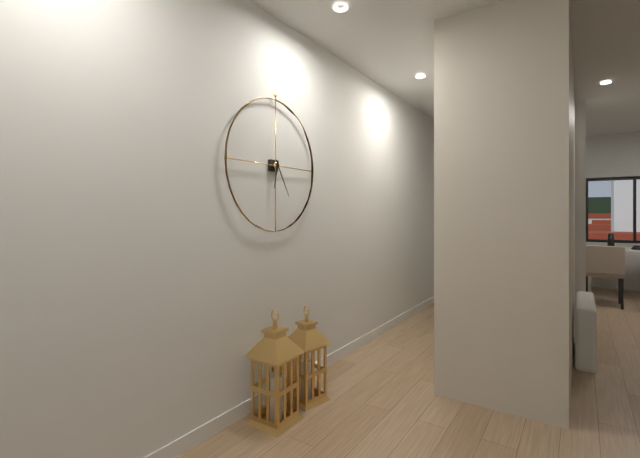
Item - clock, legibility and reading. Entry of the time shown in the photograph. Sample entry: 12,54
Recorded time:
6,25
